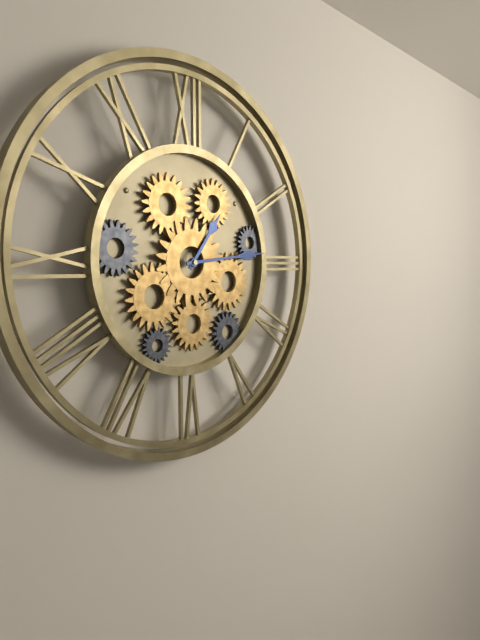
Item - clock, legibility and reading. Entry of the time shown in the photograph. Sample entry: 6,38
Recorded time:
1,14
